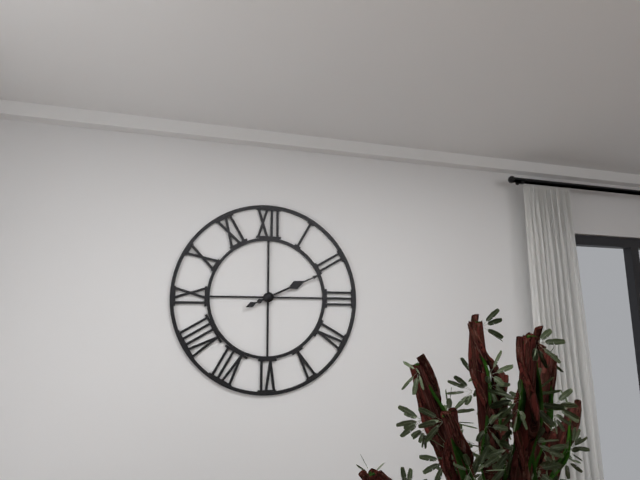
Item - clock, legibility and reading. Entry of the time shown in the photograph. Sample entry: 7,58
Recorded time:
2,11
